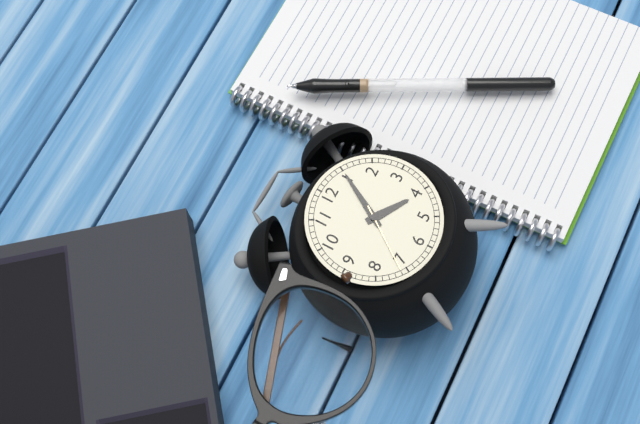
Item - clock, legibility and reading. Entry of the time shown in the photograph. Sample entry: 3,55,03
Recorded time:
4,05,36
